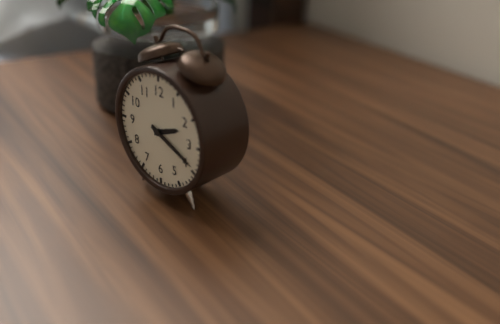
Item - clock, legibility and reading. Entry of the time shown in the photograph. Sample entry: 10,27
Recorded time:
2,19
